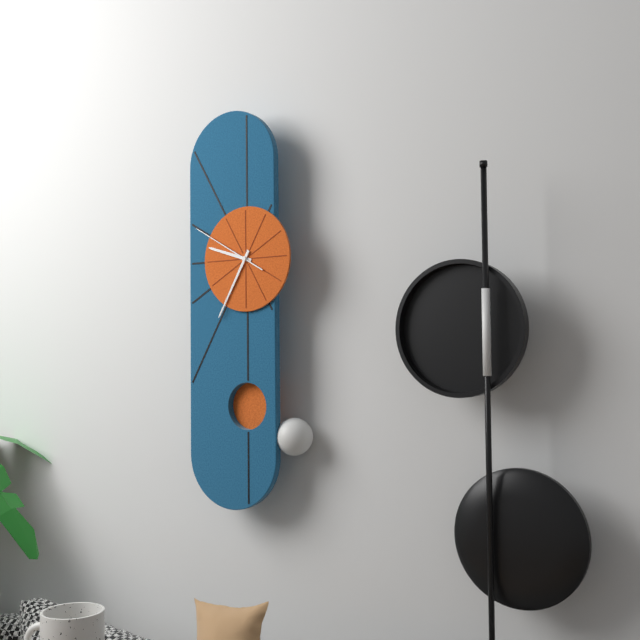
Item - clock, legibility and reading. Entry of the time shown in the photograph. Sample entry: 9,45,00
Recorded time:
9,35,50
